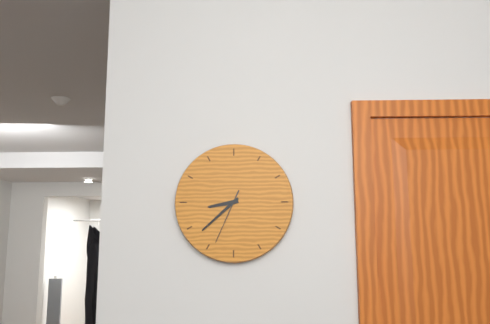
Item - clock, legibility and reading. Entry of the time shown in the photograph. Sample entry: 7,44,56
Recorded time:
8,38,34
